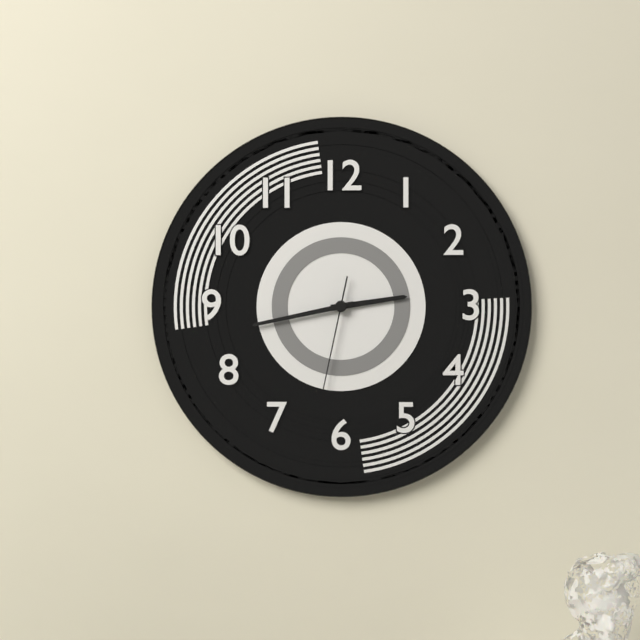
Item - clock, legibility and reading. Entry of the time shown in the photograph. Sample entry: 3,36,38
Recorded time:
2,43,32
